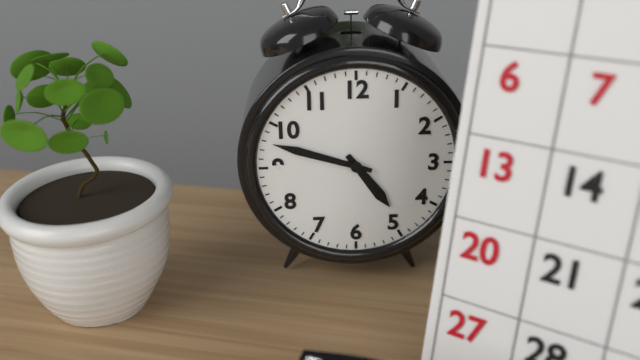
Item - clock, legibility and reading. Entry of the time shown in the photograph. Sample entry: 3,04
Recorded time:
4,48
